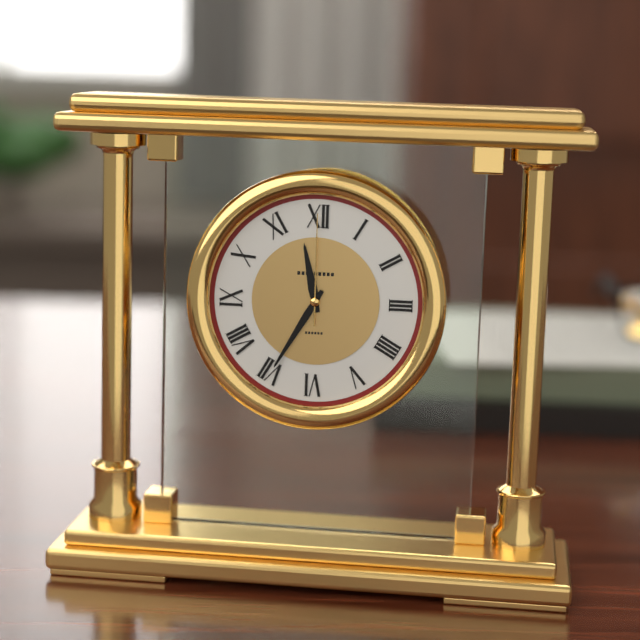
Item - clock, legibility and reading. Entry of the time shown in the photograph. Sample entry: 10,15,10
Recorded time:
11,35,00
